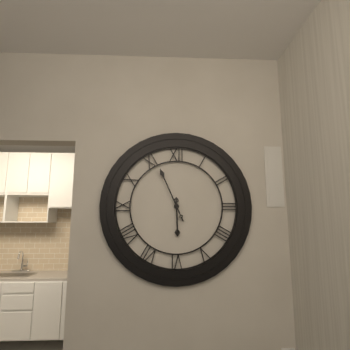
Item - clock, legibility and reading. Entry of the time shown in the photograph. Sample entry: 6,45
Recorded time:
5,56
